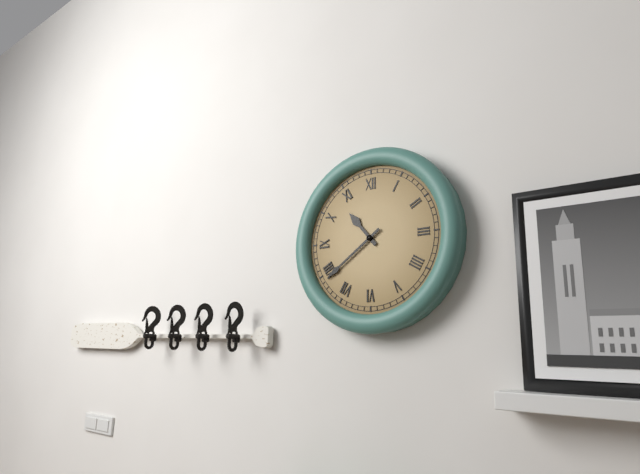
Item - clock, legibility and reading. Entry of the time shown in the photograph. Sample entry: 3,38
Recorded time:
10,39
